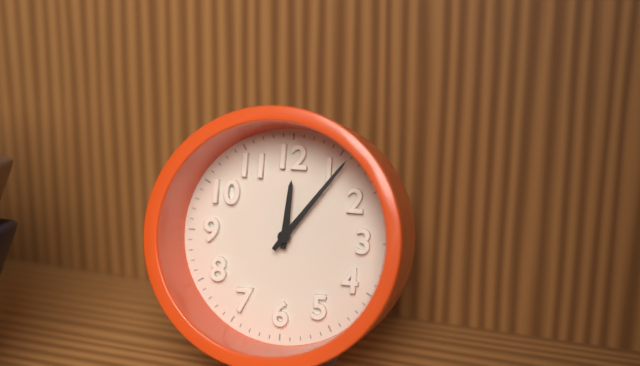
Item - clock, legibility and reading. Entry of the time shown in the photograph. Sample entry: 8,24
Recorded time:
12,06
